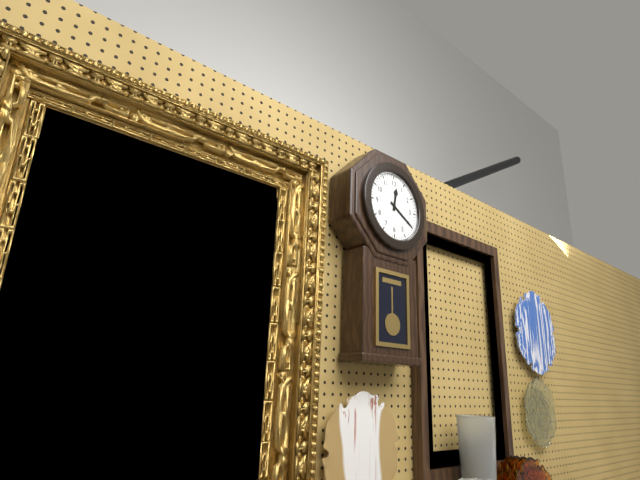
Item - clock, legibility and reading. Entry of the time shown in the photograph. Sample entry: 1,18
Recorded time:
12,20
